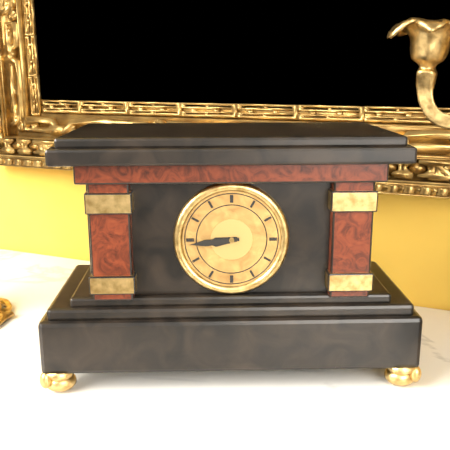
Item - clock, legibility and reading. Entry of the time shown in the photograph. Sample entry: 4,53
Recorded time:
8,44
